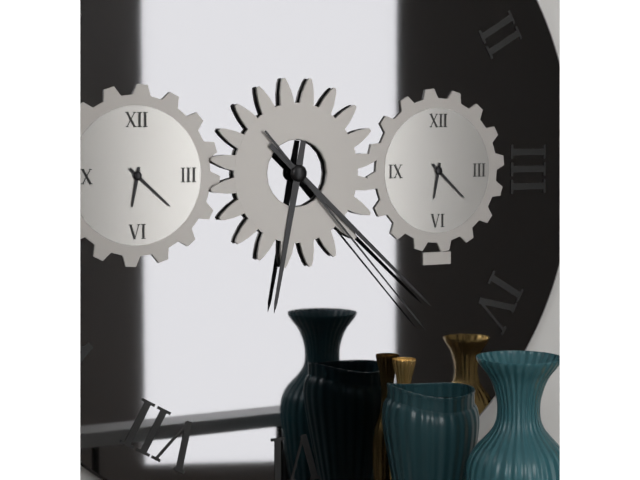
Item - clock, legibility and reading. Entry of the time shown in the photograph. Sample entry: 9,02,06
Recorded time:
6,22,23
